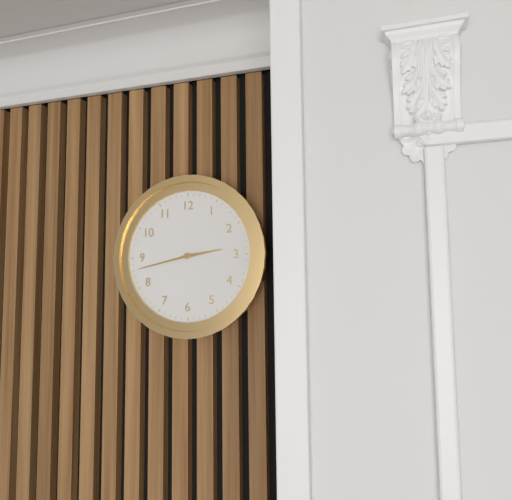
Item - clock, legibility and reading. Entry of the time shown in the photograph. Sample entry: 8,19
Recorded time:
2,43
